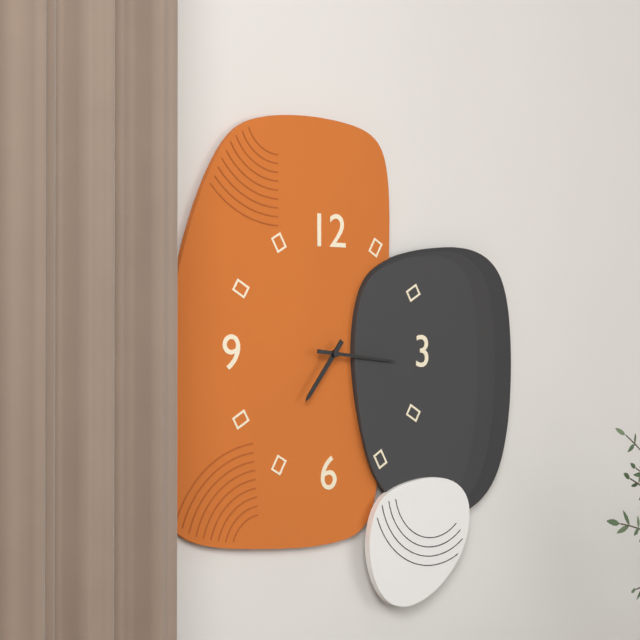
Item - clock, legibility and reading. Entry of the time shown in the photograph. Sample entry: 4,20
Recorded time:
7,16
